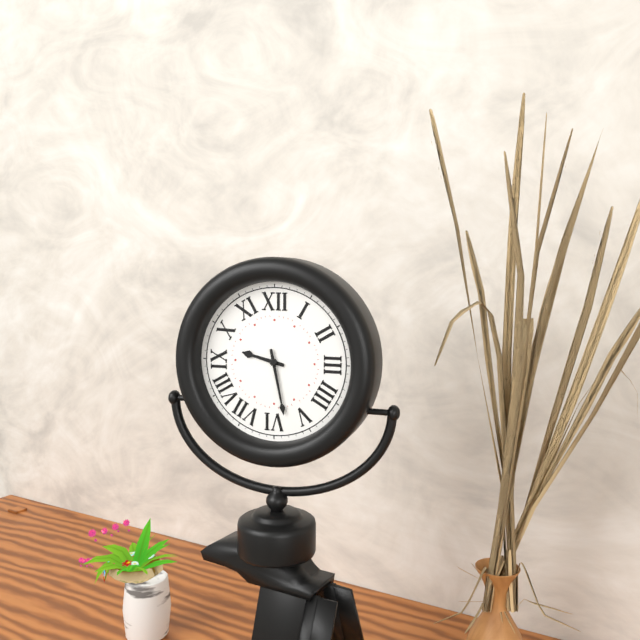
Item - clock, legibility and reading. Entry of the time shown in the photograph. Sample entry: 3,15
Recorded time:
9,28
